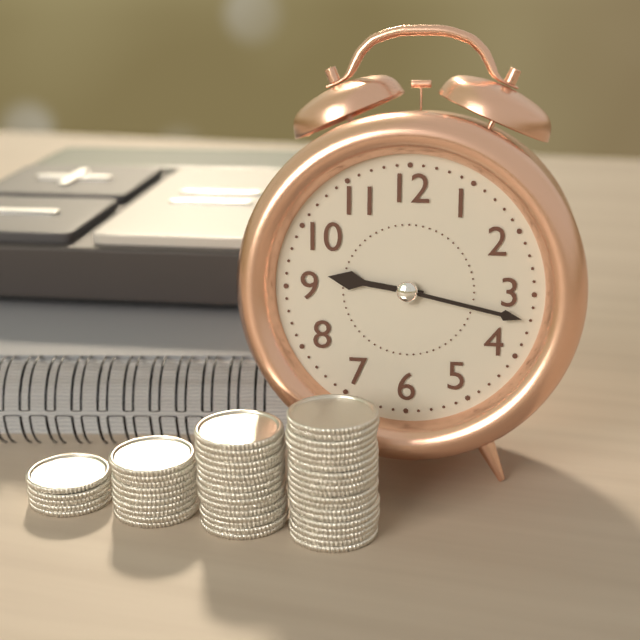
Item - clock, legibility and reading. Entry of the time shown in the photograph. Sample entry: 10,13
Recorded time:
9,17
